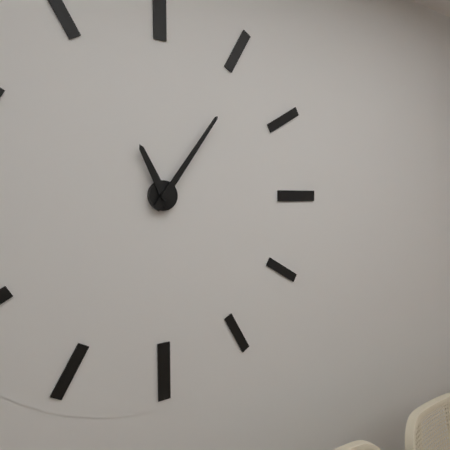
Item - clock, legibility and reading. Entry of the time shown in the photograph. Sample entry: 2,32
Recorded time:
11,06
